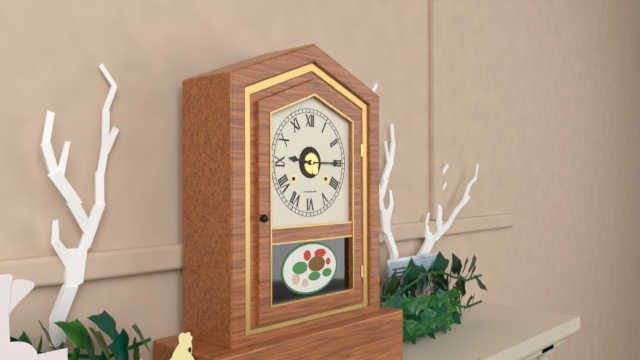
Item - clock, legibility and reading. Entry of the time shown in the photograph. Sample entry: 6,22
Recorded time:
9,15
